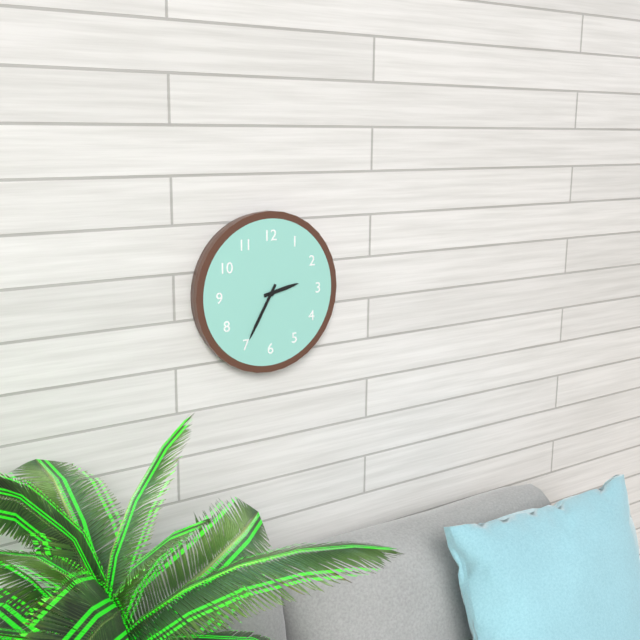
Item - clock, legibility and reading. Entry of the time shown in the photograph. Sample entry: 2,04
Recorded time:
2,35
